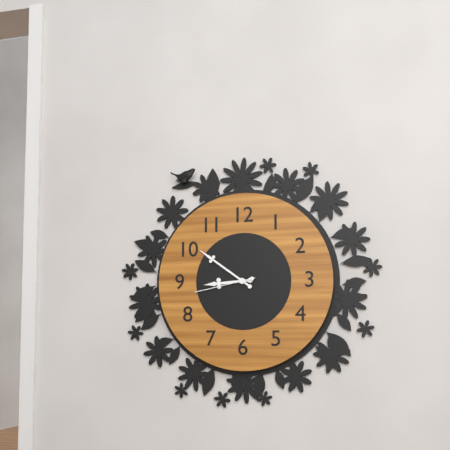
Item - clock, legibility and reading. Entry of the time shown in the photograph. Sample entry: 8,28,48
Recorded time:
8,51,43
